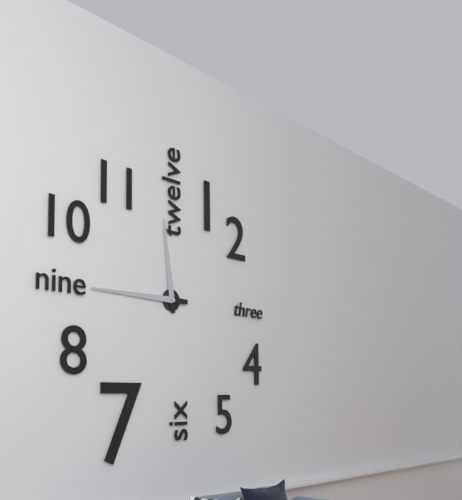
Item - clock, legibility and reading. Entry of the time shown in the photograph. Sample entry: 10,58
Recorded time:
11,45
